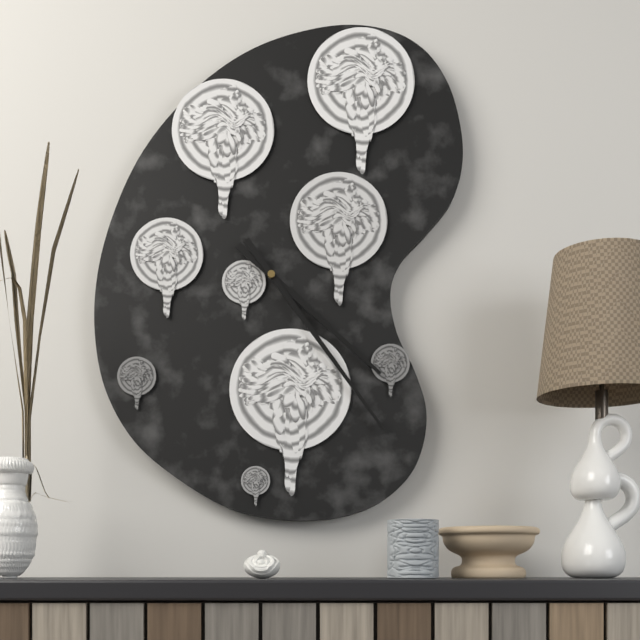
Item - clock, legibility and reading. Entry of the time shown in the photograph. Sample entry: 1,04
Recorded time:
4,24
